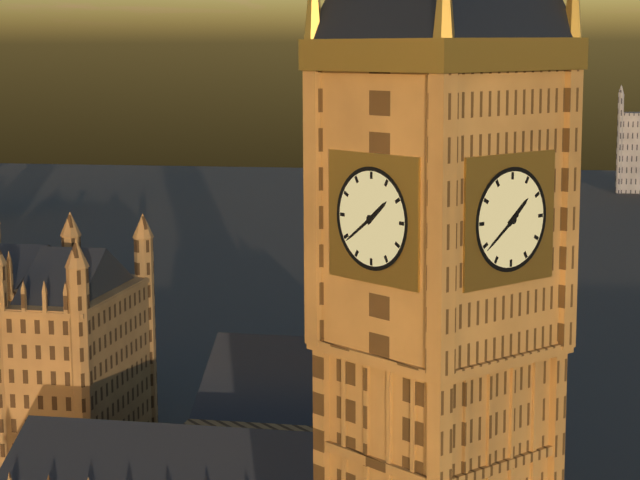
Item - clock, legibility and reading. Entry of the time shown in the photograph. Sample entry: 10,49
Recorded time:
1,39
